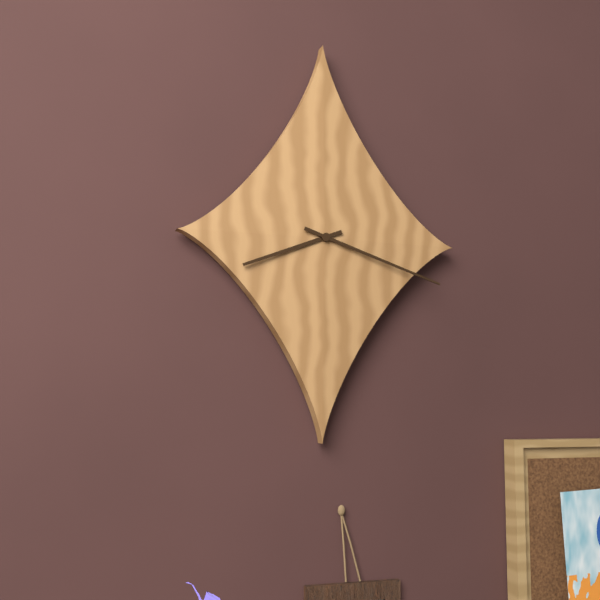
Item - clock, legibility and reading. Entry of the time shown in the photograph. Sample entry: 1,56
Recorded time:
8,18
